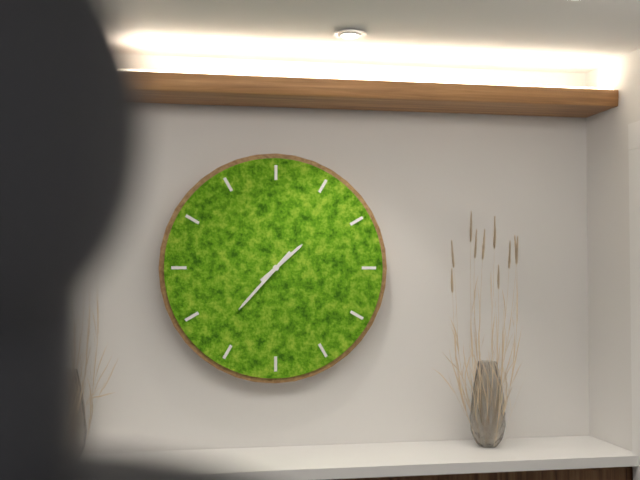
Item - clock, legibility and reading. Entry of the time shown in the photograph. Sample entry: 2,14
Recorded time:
1,37
